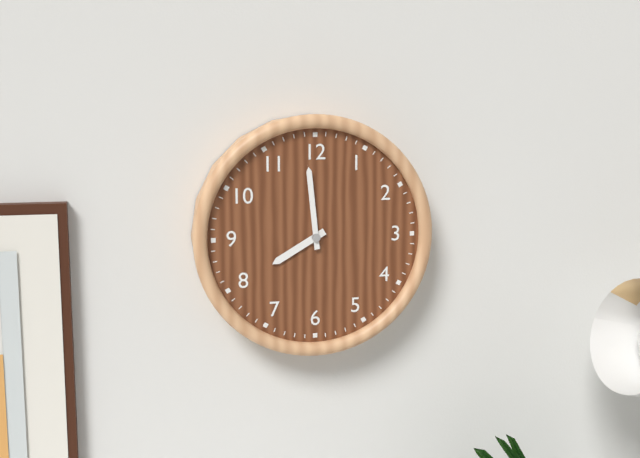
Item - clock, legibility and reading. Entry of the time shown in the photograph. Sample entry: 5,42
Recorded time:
7,59
